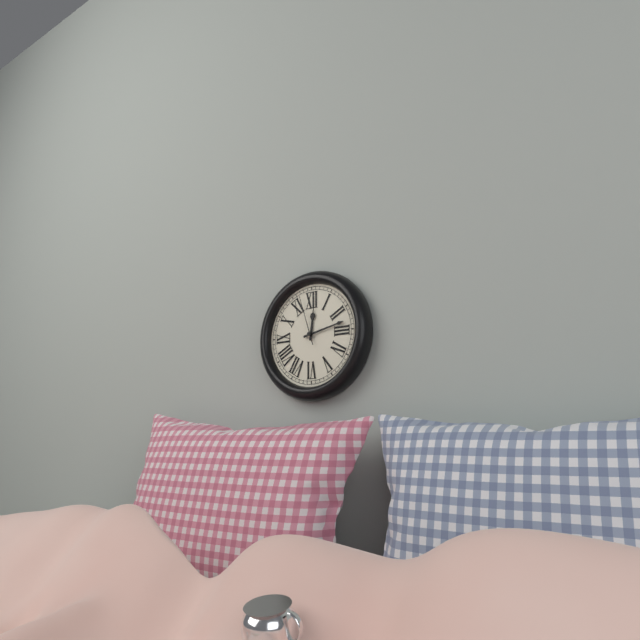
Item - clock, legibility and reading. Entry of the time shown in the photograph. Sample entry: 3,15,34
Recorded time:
12,13,57
